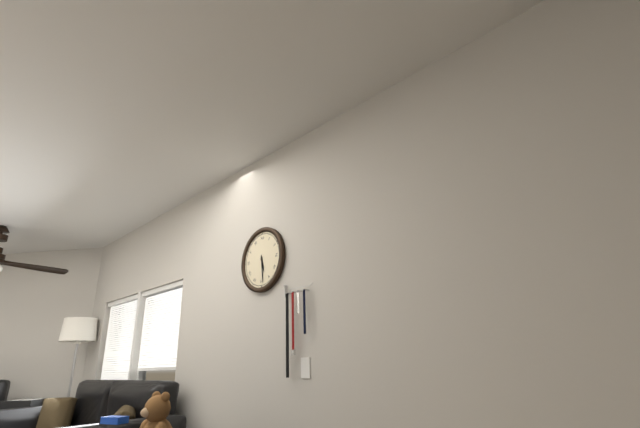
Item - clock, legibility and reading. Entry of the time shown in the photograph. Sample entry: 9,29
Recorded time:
5,29
